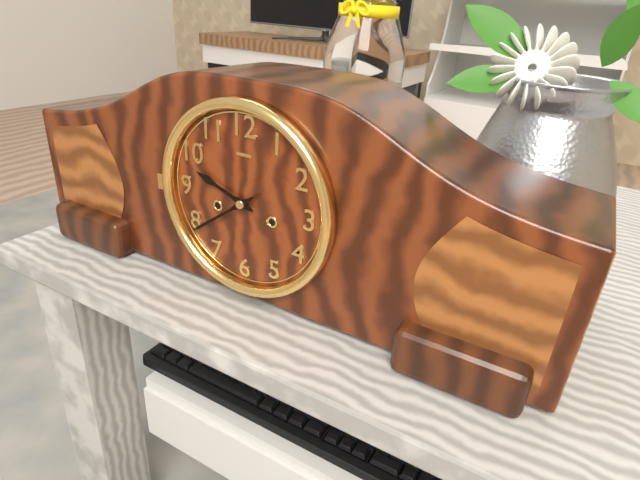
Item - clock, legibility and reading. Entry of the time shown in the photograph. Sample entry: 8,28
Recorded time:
9,39
